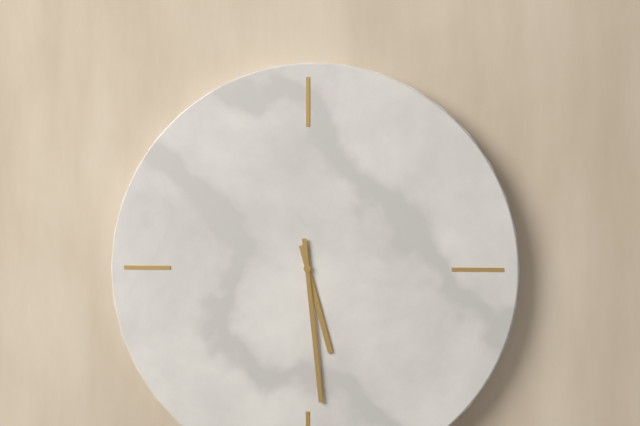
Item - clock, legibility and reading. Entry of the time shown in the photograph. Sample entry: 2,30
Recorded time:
5,29
